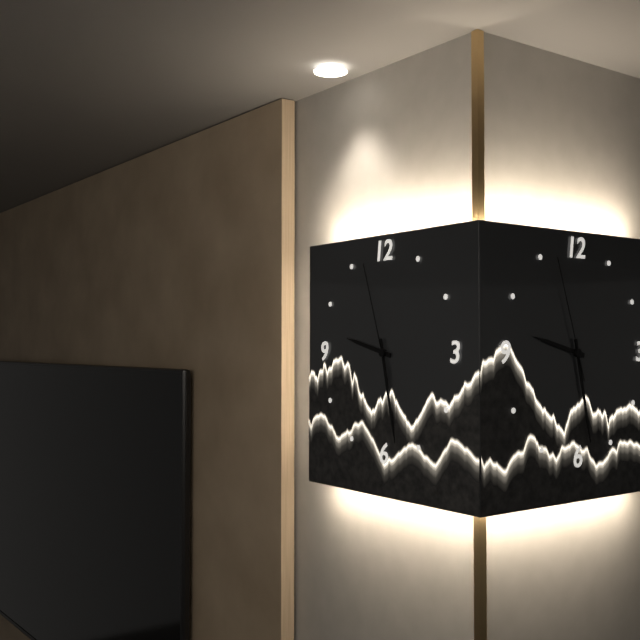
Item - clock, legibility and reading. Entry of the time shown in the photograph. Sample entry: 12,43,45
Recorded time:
9,28,57
